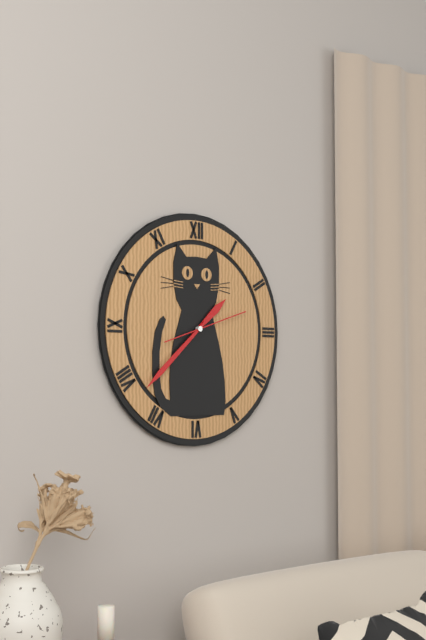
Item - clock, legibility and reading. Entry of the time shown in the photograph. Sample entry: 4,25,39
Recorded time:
1,38,12
